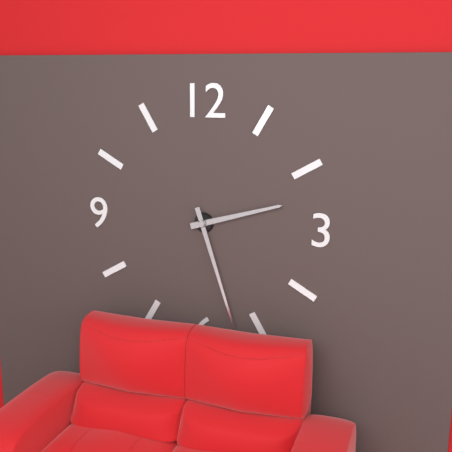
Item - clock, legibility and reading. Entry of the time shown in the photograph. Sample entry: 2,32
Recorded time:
2,27
